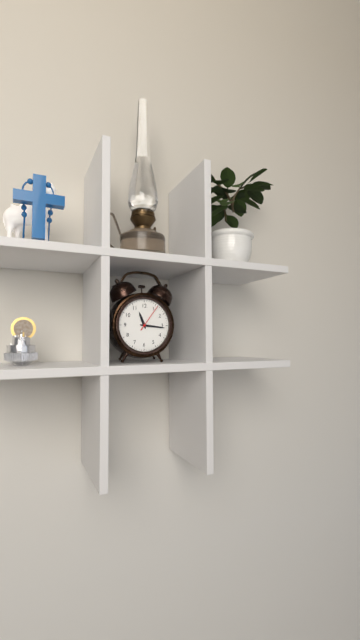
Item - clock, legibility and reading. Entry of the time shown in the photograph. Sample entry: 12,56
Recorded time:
11,16
